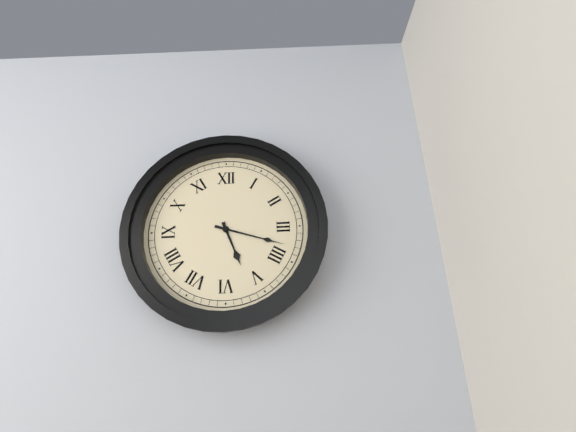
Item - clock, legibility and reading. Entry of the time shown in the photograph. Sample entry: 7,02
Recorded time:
5,18
